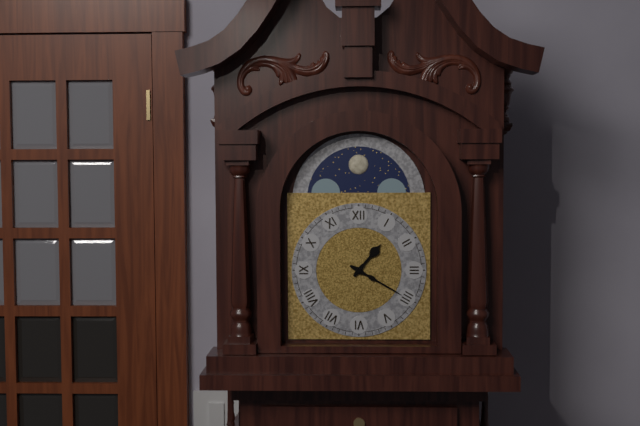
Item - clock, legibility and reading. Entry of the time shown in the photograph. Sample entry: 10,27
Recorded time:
1,20
